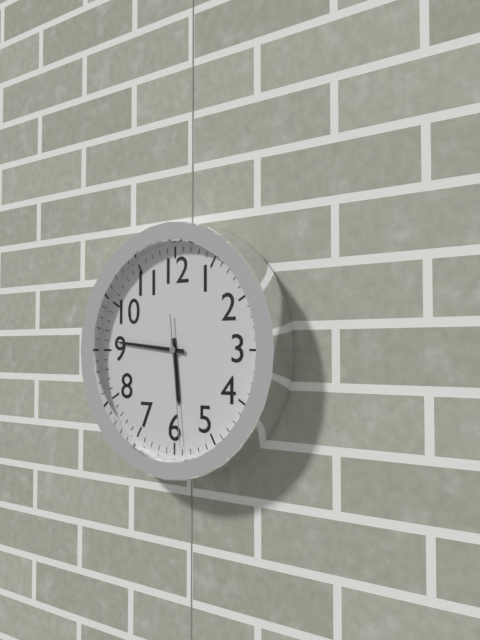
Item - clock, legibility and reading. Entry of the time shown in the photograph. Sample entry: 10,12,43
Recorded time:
5,46,29
